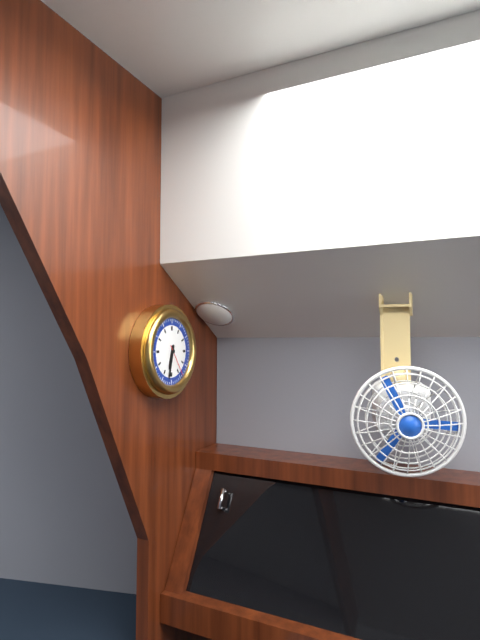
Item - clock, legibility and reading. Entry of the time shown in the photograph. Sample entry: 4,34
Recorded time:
6,32
